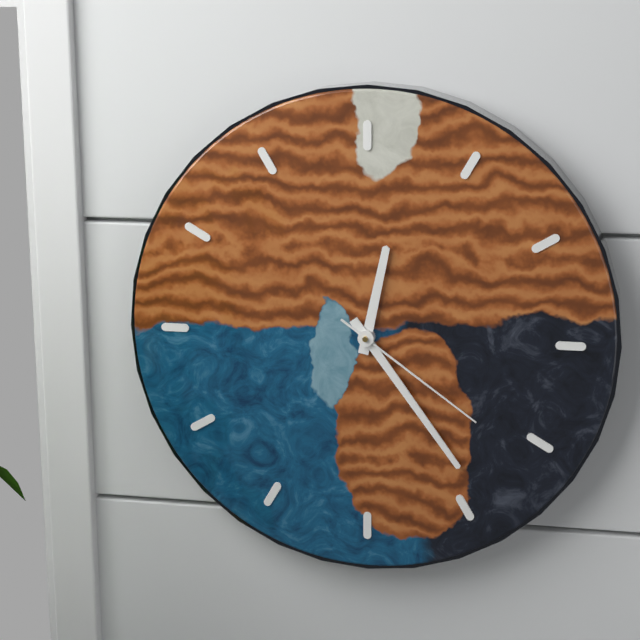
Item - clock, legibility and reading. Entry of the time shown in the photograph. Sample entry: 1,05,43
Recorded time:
12,24,21
